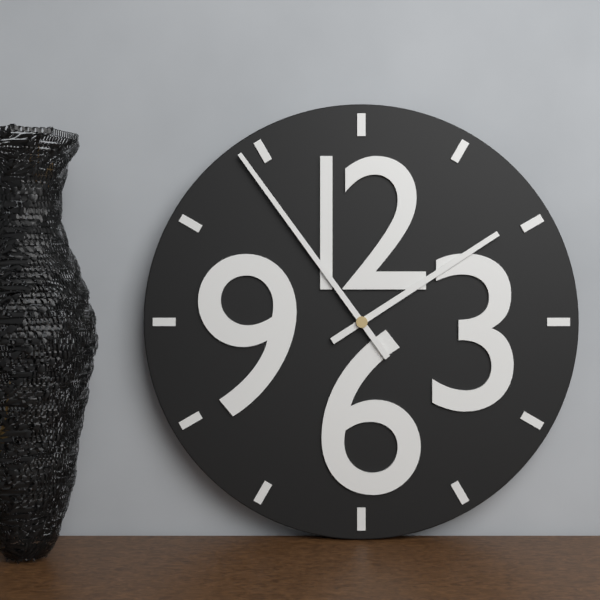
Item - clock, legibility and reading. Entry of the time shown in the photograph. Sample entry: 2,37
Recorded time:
1,54
